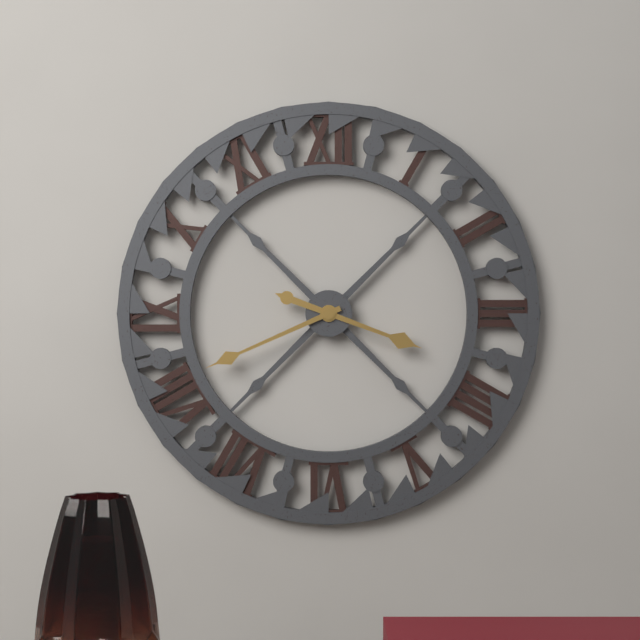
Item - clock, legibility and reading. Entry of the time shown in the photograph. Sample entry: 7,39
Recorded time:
3,41
